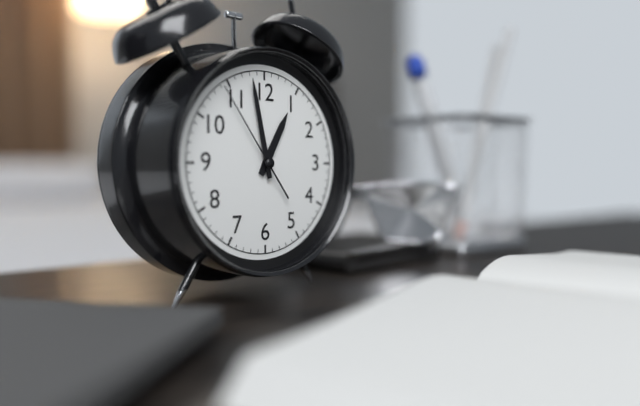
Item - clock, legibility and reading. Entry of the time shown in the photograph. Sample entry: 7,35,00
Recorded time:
12,58,54
